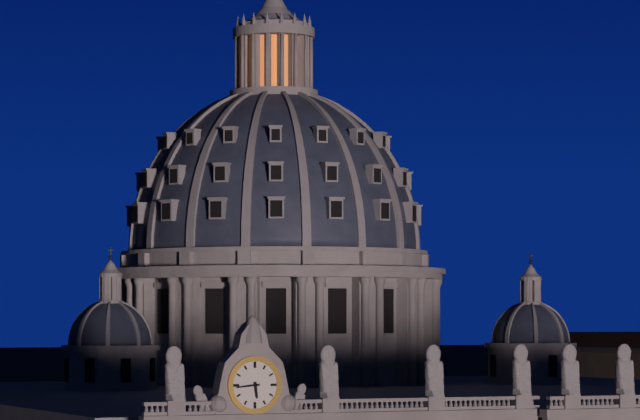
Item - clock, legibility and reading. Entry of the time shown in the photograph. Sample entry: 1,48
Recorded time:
5,44
